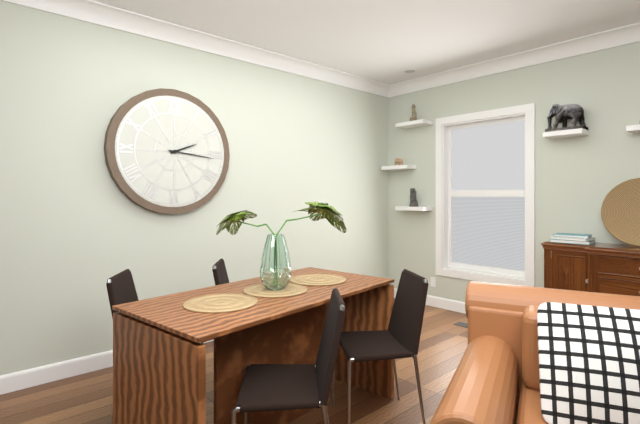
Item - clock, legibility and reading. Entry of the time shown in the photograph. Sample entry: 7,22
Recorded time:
2,16
